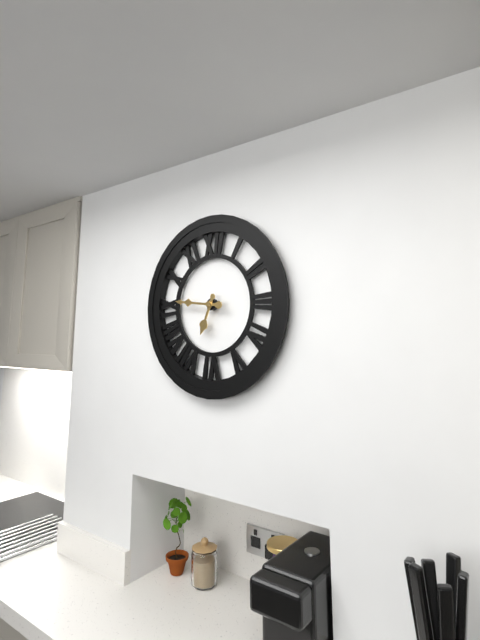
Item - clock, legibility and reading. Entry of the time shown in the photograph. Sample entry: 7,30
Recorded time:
6,46
